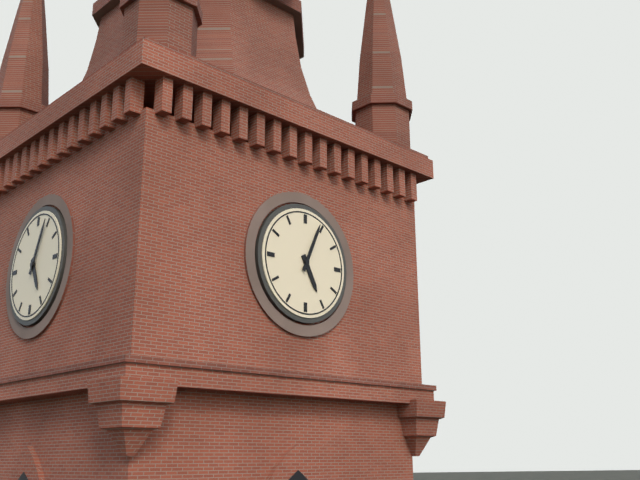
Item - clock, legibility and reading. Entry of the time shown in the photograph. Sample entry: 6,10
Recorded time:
5,04
